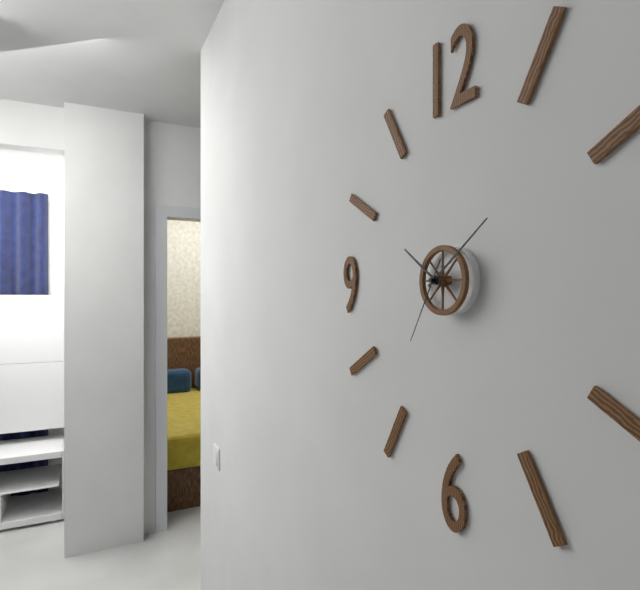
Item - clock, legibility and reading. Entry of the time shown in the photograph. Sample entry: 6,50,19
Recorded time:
10,09,35
